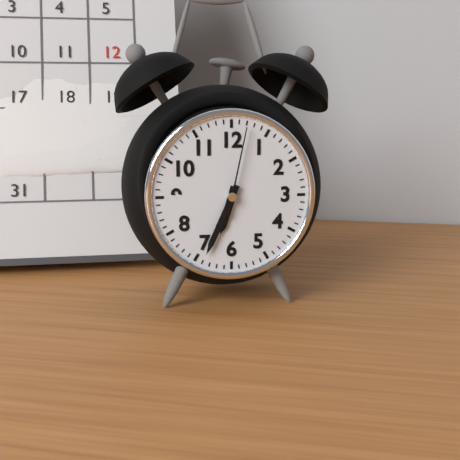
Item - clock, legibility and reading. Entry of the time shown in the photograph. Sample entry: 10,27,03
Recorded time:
6,34,02
